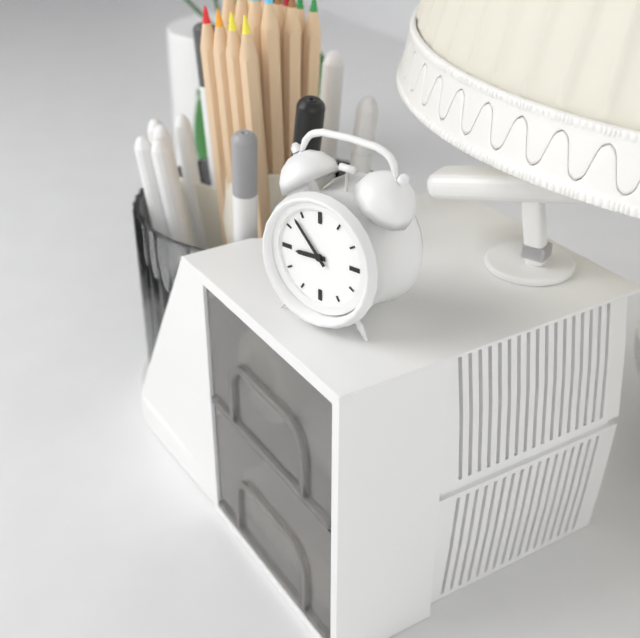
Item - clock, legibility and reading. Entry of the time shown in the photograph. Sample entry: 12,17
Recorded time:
8,53
